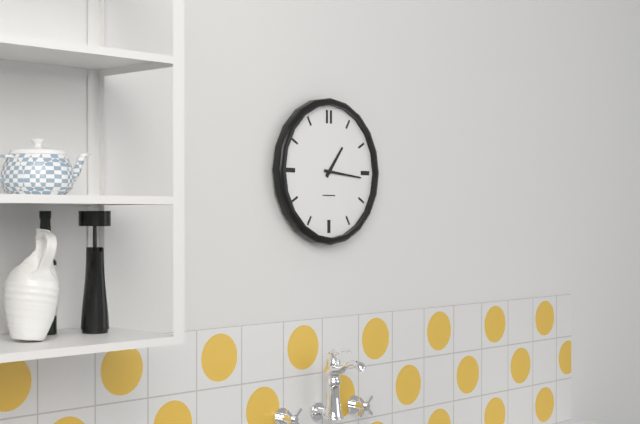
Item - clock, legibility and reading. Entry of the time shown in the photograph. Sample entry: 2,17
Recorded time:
1,16
